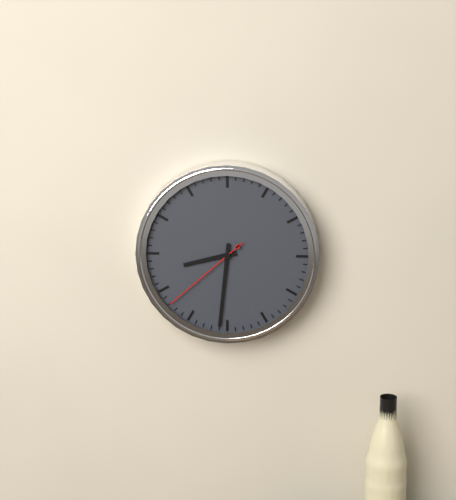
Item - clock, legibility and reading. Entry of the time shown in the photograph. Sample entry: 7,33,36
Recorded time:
8,31,38
